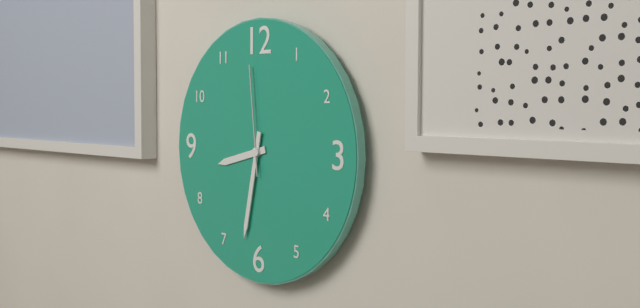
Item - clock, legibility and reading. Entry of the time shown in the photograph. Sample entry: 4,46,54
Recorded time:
8,32,59
